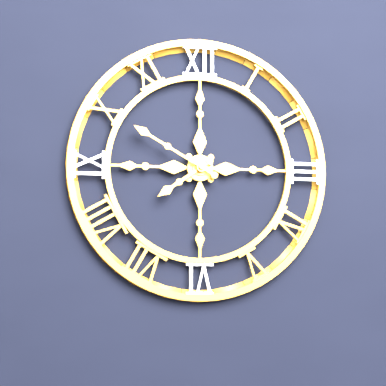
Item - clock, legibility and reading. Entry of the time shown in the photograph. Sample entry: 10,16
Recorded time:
7,50
